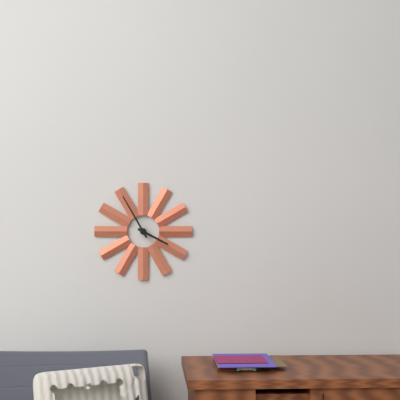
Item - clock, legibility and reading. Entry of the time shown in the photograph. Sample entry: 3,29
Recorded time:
3,55
